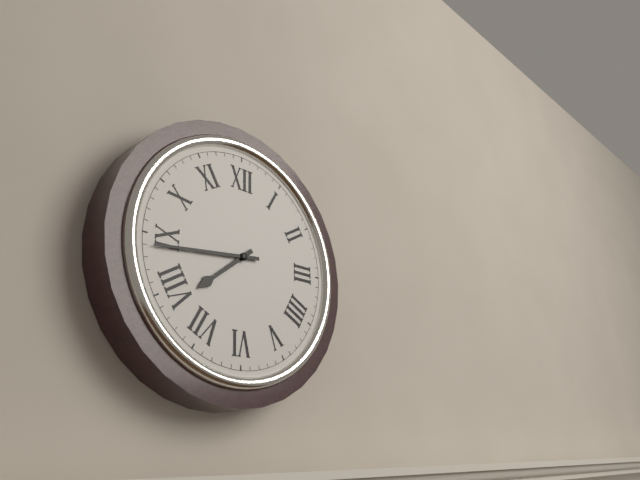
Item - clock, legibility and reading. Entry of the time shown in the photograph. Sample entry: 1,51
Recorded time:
7,44
